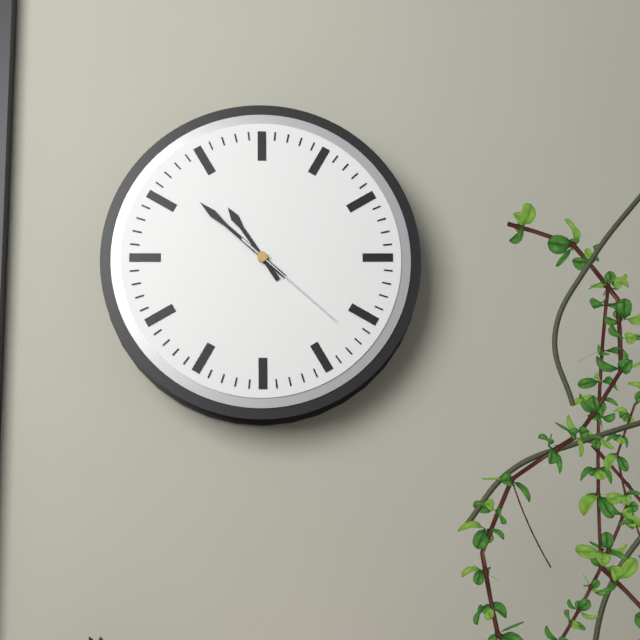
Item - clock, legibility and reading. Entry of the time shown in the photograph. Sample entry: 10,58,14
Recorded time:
10,52,22
